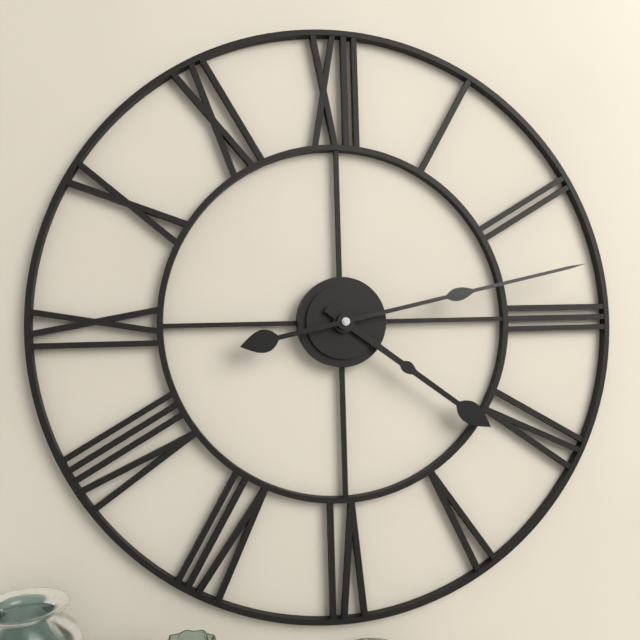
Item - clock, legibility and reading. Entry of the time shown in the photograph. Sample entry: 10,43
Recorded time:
4,13
